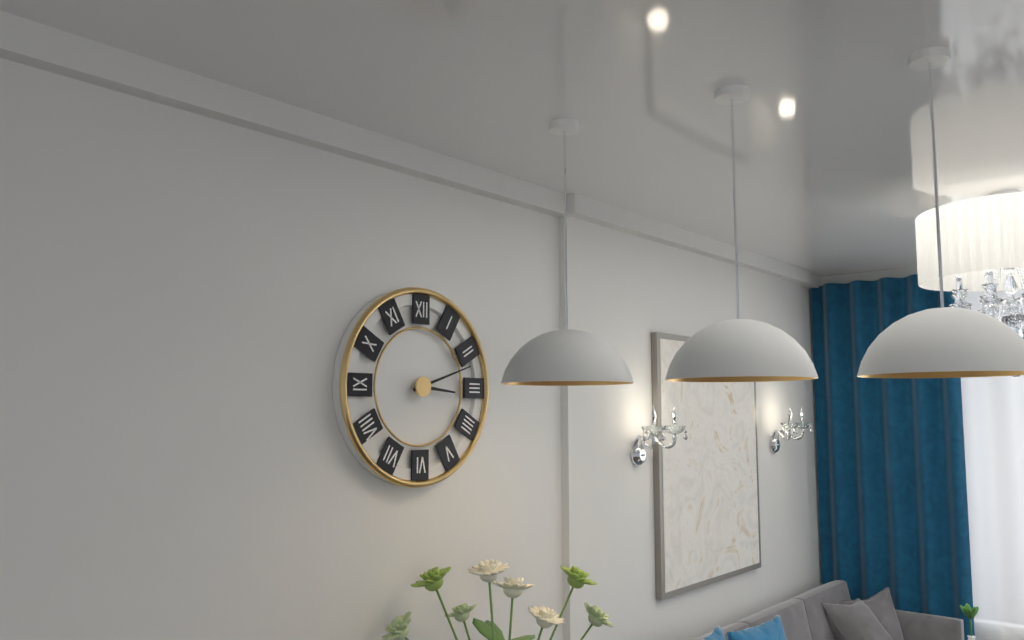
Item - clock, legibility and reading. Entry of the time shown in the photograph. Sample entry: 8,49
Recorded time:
3,12
